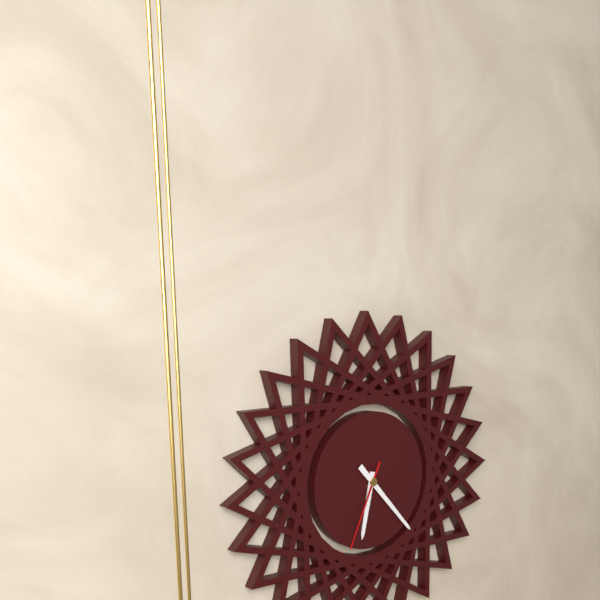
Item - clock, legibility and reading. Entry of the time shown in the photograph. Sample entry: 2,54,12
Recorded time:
6,23,34
